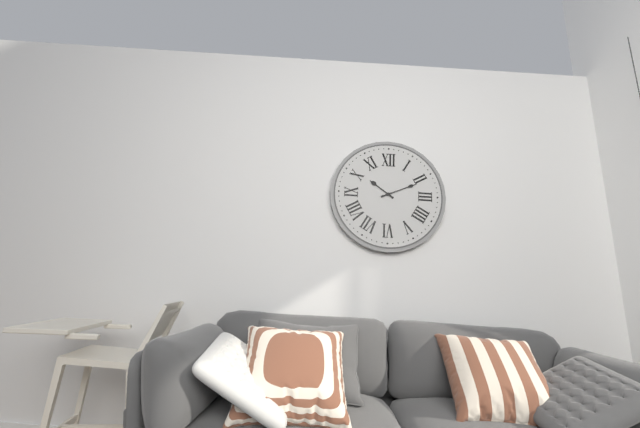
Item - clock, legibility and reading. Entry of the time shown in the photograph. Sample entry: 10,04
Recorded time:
10,11
